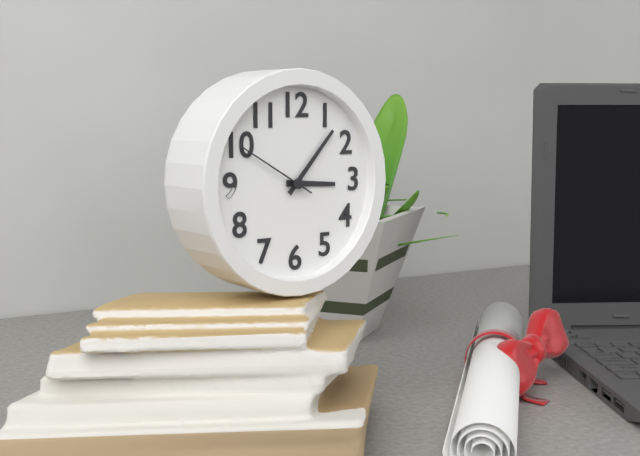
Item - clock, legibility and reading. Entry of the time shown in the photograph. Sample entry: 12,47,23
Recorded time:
3,07,50
